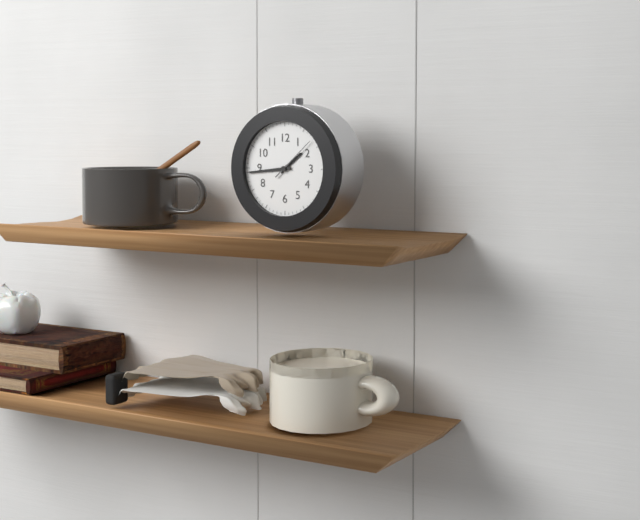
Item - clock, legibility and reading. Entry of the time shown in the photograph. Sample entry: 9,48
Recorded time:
1,44
